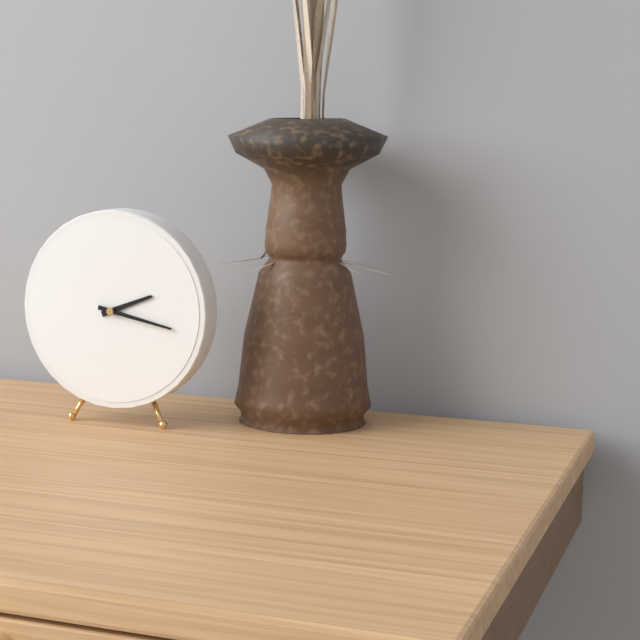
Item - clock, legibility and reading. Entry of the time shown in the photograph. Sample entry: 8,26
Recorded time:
2,17
